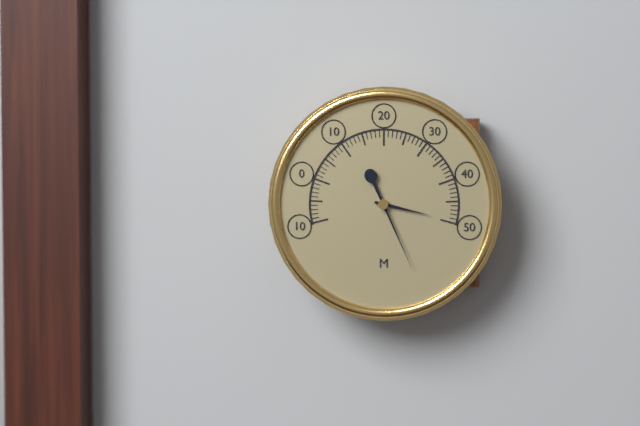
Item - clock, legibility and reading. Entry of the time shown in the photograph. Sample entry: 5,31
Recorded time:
3,26
